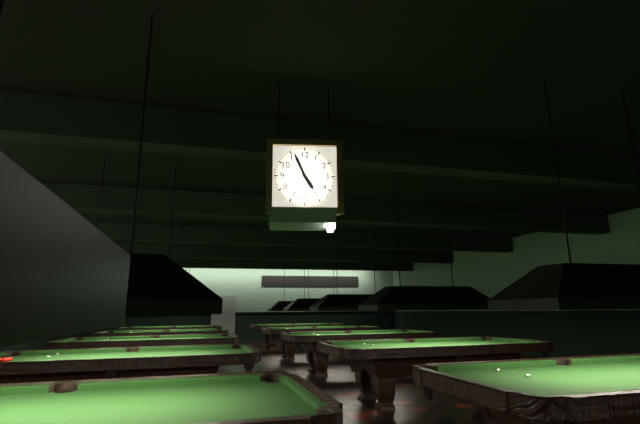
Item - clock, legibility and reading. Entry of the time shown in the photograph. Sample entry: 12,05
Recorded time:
4,56
